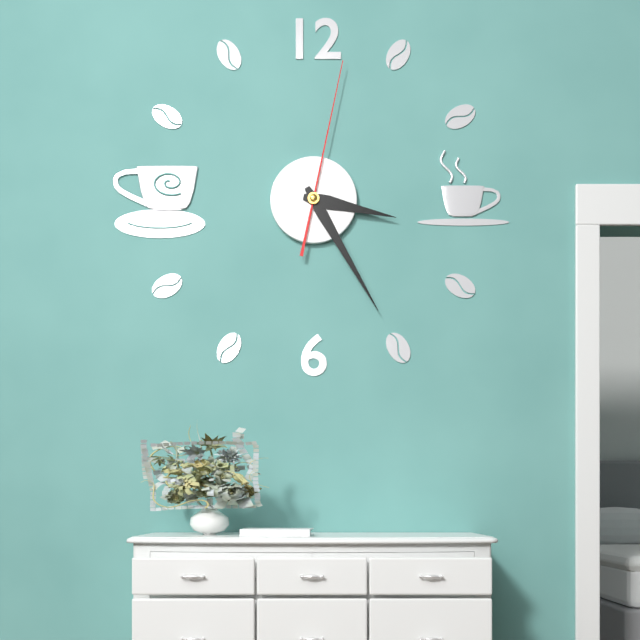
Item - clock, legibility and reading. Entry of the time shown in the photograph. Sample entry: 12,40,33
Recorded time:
3,25,02
